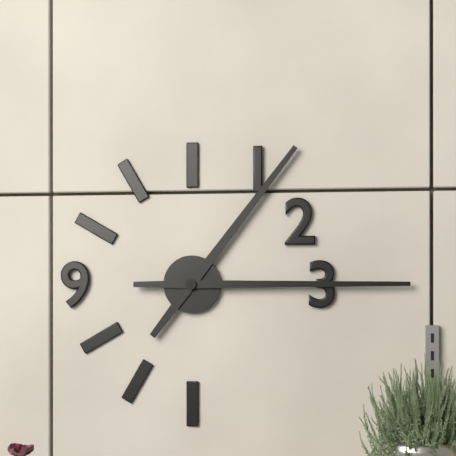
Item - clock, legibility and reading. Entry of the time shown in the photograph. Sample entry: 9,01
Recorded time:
1,15
